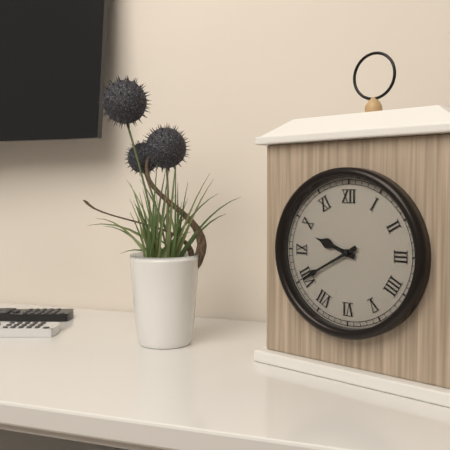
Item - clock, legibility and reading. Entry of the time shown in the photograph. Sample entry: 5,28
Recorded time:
9,40
